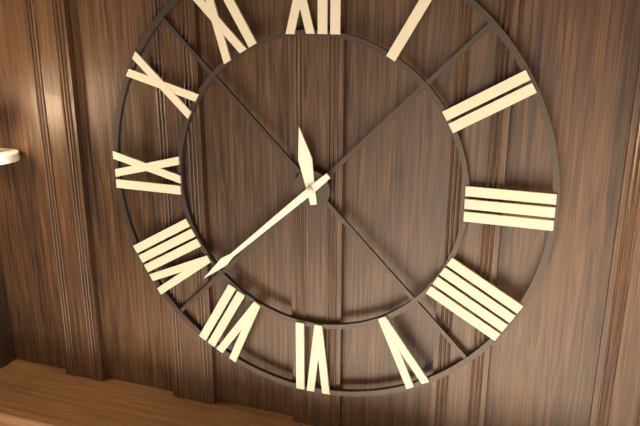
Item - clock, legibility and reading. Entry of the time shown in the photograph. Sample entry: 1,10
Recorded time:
11,38
